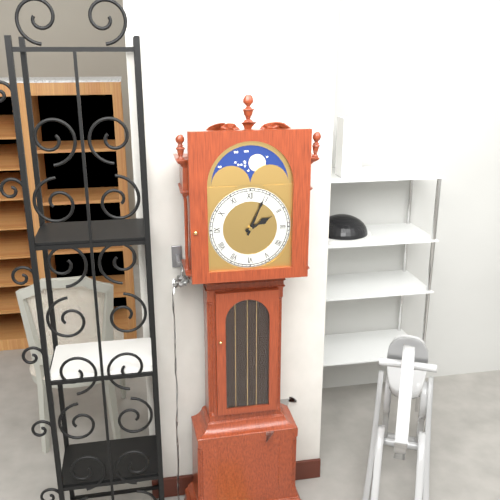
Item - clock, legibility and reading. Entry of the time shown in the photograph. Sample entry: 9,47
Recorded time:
2,04
